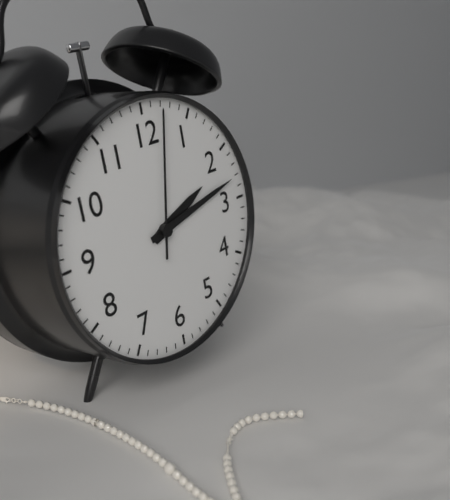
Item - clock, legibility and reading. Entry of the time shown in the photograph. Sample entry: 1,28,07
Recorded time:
2,13,02
